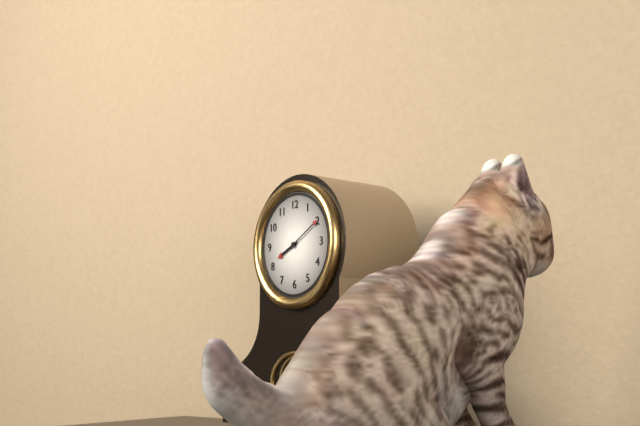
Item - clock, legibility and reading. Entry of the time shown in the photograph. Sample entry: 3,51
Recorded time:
8,10
